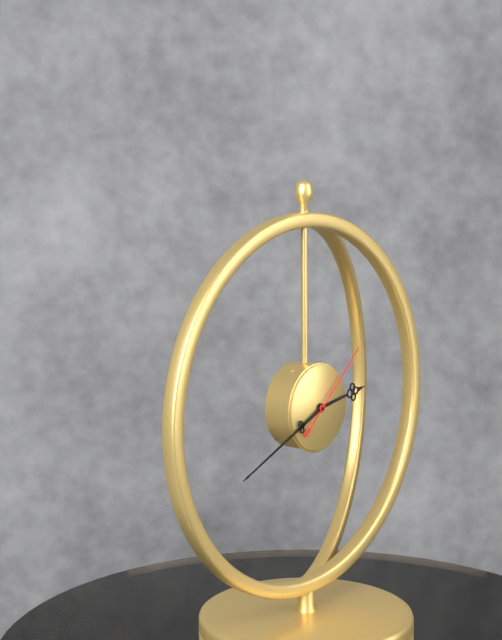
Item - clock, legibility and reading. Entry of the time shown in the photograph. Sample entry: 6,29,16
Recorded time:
2,41,08
